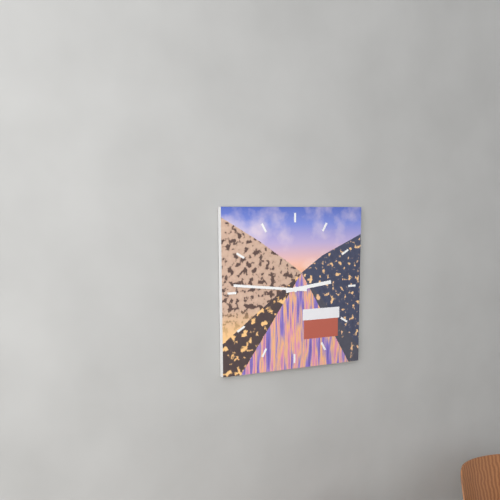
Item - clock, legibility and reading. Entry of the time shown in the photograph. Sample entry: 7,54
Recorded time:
2,46
